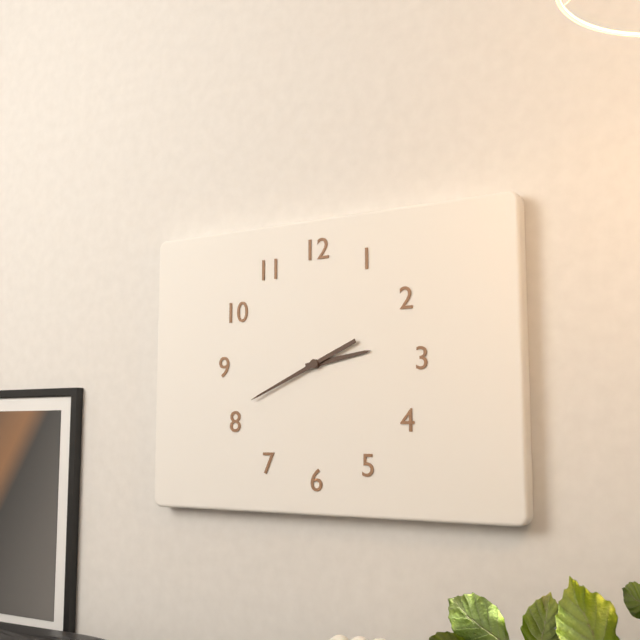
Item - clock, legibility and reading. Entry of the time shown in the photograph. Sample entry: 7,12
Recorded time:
2,41
